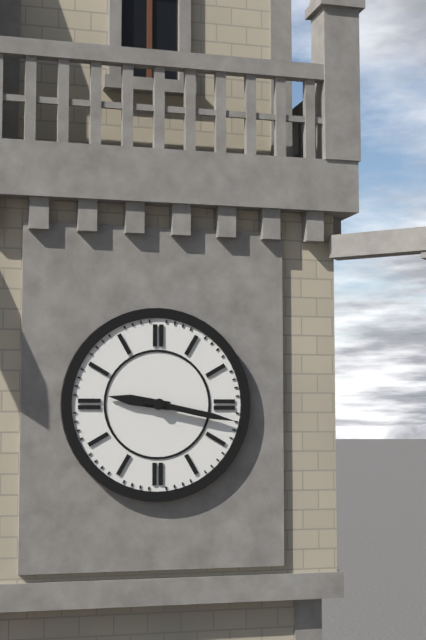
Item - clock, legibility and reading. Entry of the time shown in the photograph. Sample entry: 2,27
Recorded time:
9,17
